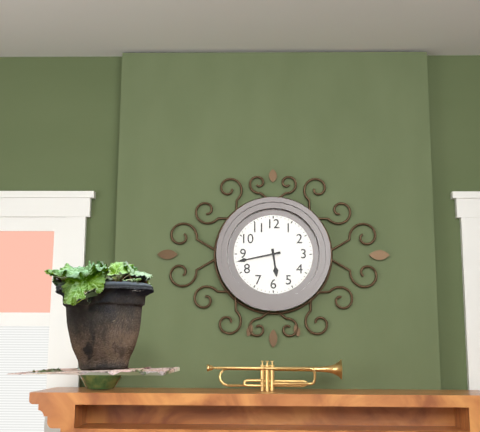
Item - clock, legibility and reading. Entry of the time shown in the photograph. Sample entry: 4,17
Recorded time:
5,43
